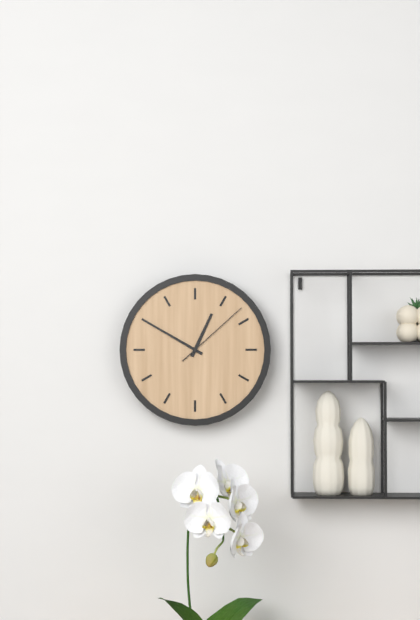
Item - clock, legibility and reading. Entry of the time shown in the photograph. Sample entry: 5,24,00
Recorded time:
12,50,08
